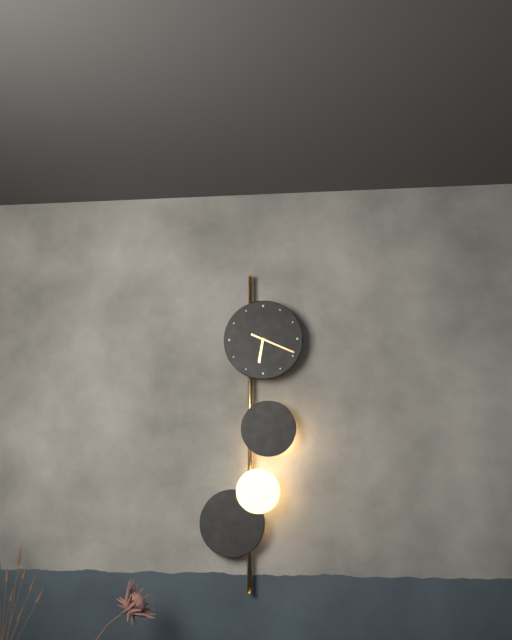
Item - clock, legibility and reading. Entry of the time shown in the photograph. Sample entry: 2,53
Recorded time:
6,19
